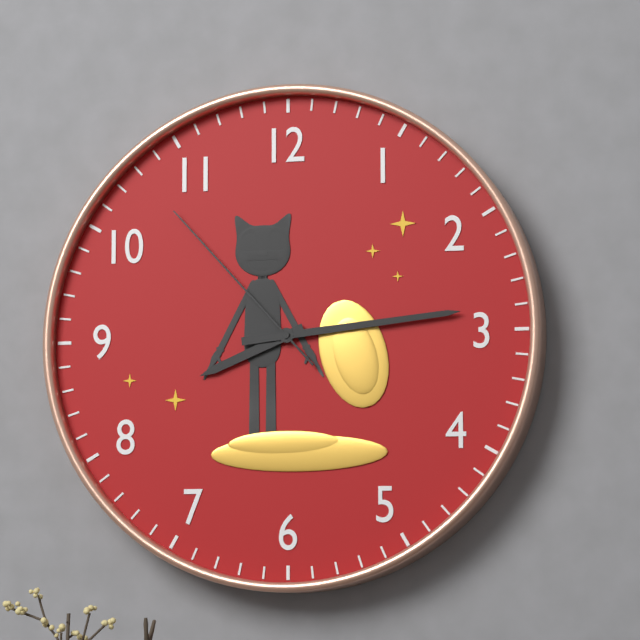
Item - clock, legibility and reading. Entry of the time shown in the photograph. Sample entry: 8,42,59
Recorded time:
8,14,53
